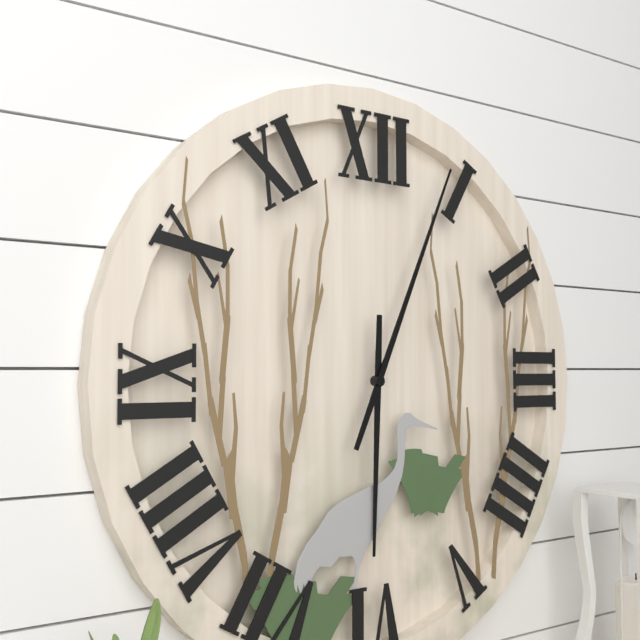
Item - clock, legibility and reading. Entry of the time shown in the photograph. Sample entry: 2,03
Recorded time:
6,04
